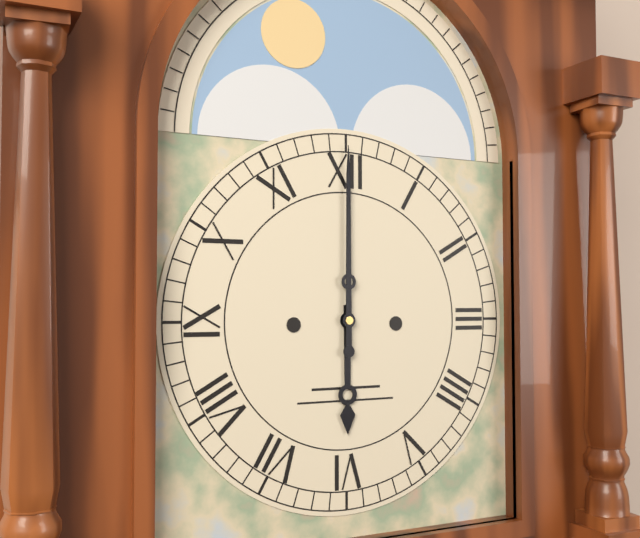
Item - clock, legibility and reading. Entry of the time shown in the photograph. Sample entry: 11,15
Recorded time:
6,00
